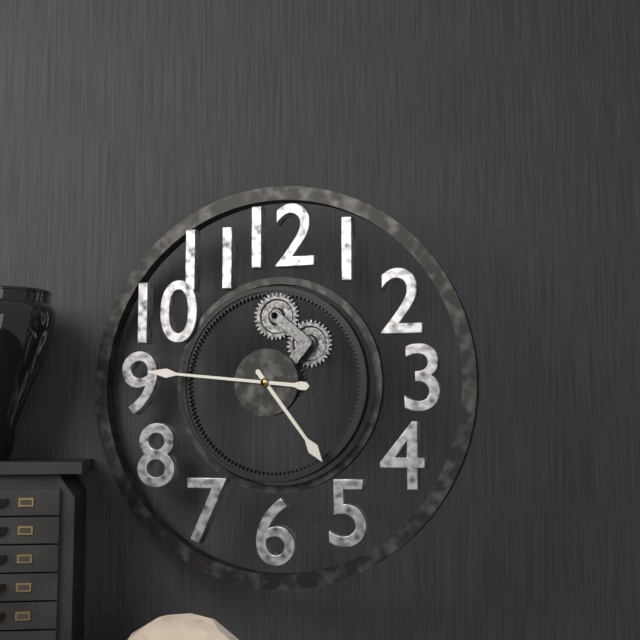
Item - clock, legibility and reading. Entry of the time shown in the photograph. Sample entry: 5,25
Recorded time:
4,46
